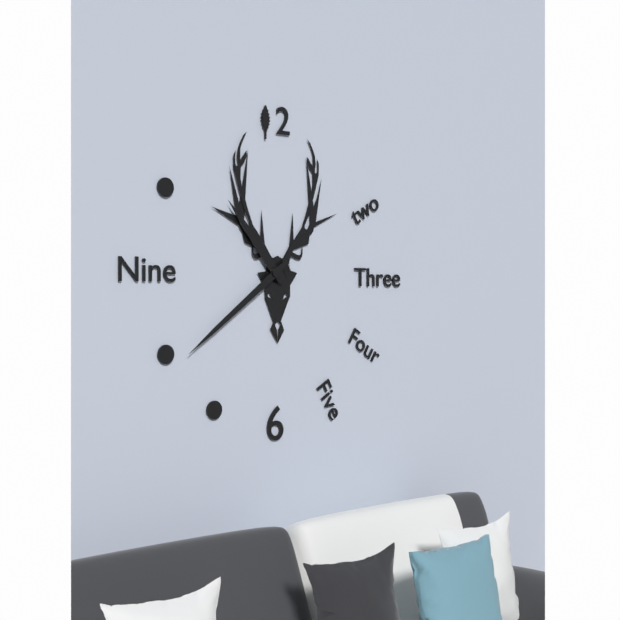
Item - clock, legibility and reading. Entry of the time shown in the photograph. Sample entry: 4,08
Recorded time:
10,39
